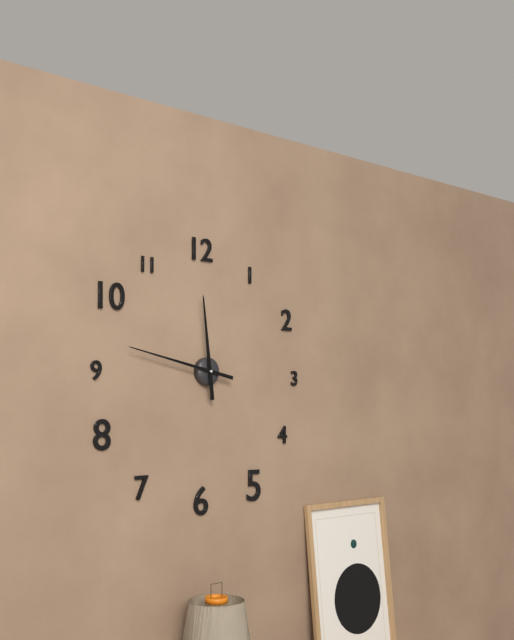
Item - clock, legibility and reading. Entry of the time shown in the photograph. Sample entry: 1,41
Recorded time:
11,47
